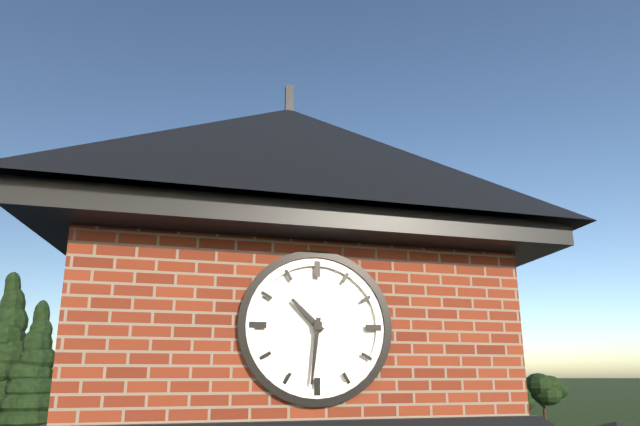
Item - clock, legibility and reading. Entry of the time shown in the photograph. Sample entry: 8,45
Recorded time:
10,31
